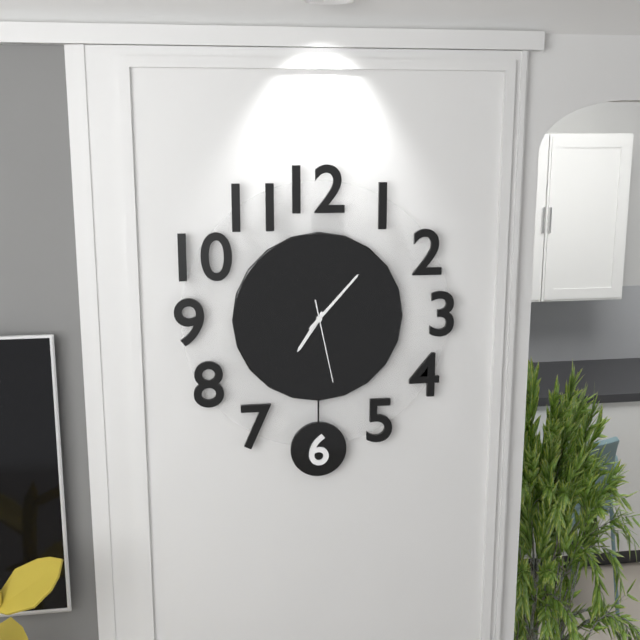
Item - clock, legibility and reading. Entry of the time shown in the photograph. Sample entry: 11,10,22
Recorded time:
7,07,28
